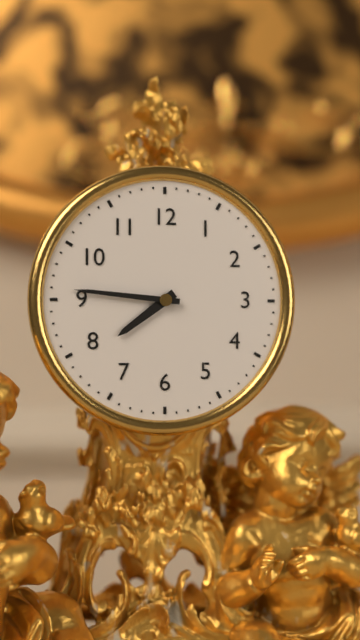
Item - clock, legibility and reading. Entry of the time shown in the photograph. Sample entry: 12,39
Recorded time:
7,46
